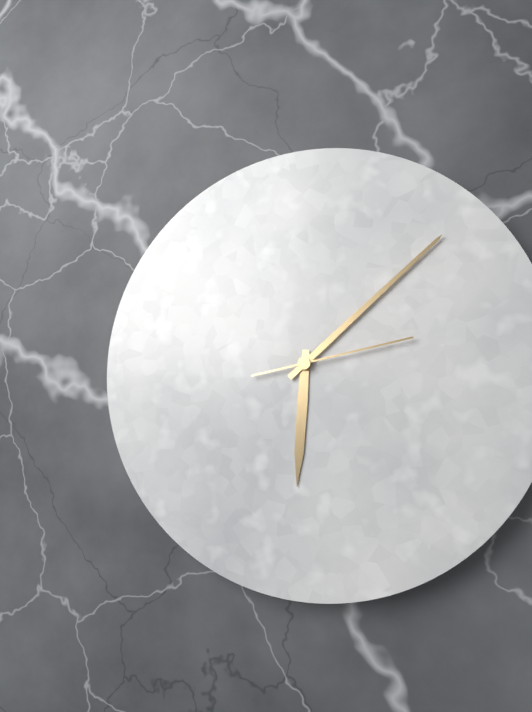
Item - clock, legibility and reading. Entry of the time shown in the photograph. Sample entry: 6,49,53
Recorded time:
6,08,13
